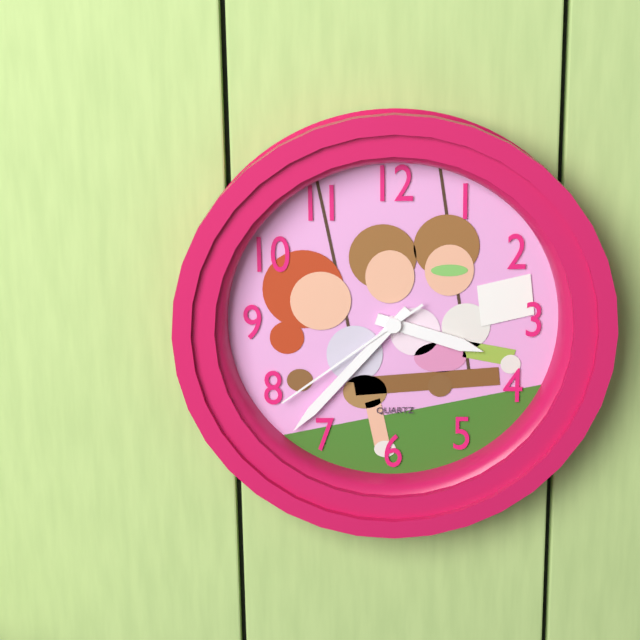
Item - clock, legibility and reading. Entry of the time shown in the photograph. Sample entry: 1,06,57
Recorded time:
3,37,39
